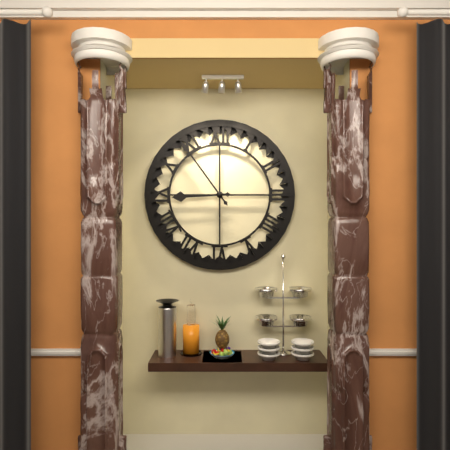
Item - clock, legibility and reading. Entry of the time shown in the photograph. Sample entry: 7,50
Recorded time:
8,54
